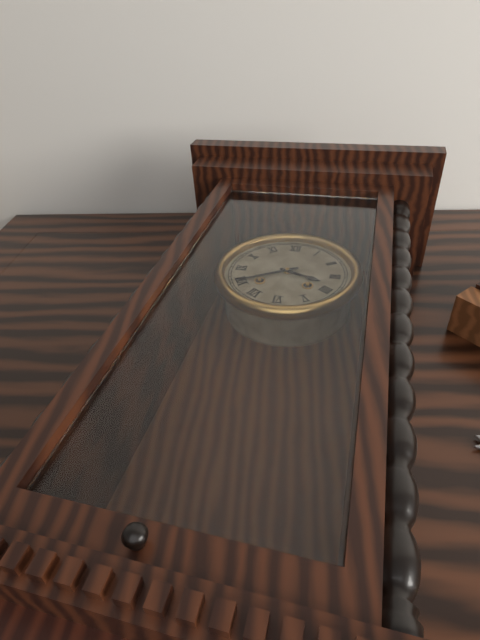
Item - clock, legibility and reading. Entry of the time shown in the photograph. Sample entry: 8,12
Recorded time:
3,40
